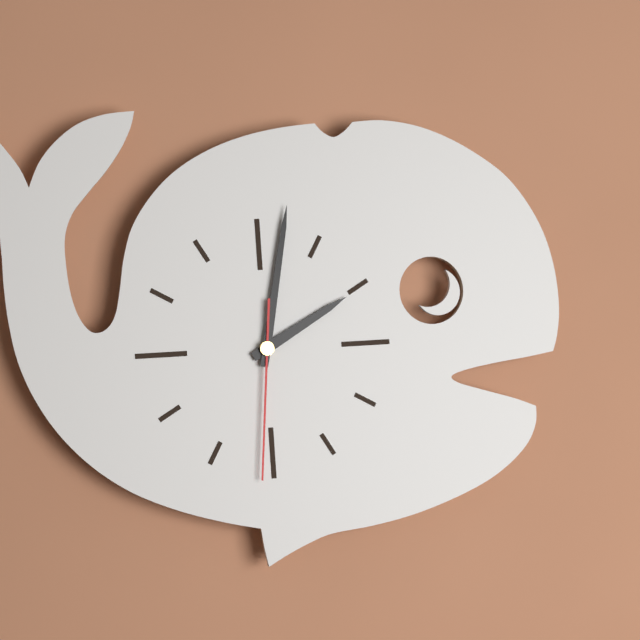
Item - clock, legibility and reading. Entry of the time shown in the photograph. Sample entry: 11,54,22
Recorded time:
2,02,31
